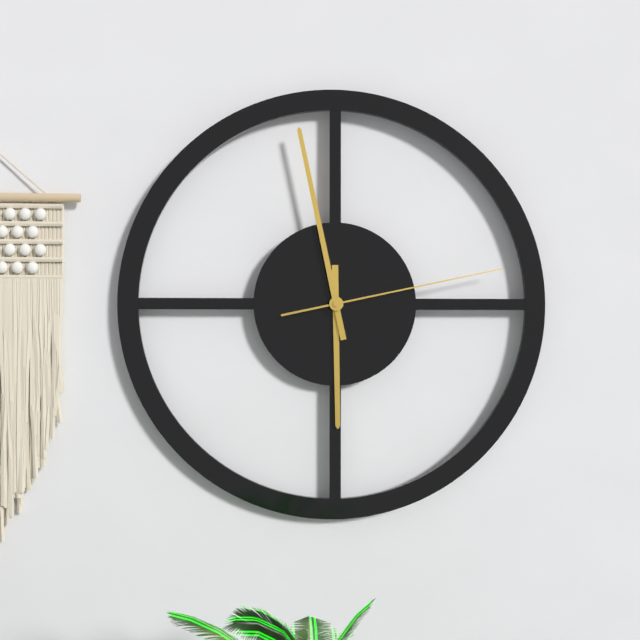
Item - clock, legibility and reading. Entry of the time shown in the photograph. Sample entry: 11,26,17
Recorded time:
5,58,13
